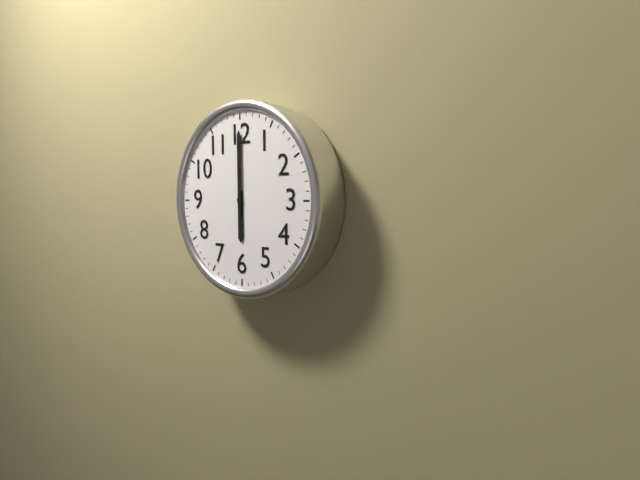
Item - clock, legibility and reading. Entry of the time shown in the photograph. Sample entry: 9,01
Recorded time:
6,00
